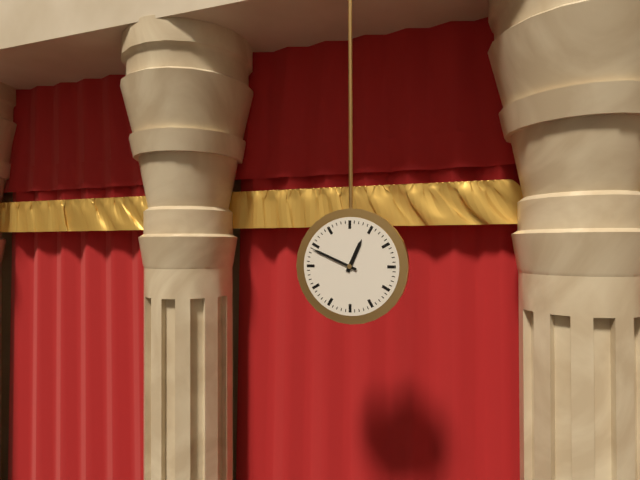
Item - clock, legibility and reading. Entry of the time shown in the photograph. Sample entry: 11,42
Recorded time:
12,49
